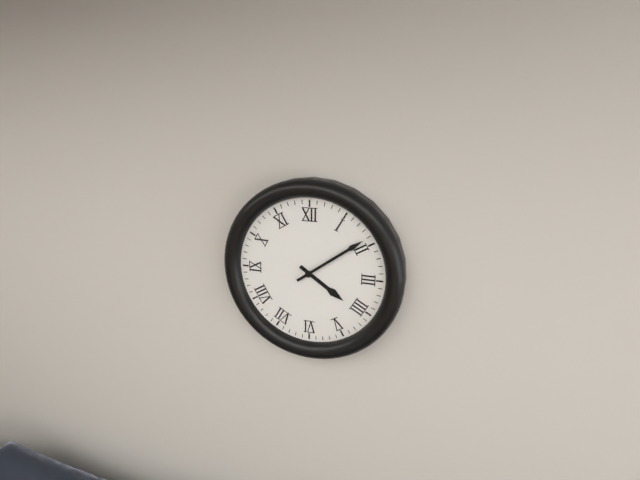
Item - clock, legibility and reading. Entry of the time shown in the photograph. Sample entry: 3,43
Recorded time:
4,09
